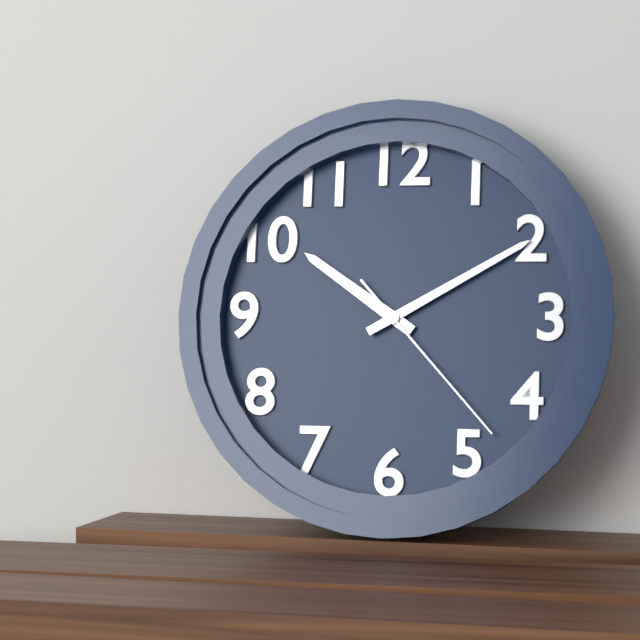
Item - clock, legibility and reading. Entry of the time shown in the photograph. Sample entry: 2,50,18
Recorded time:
10,10,23
